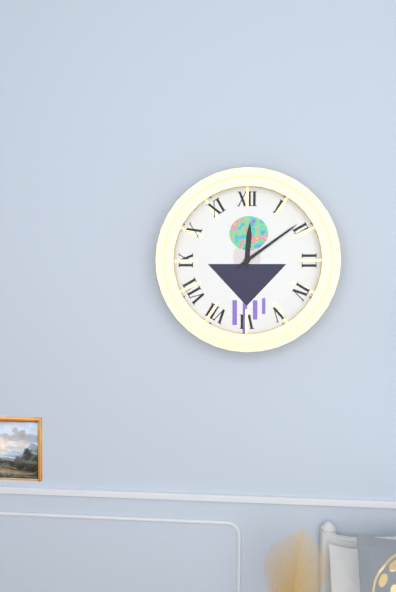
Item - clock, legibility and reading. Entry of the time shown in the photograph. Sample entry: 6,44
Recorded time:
12,09
